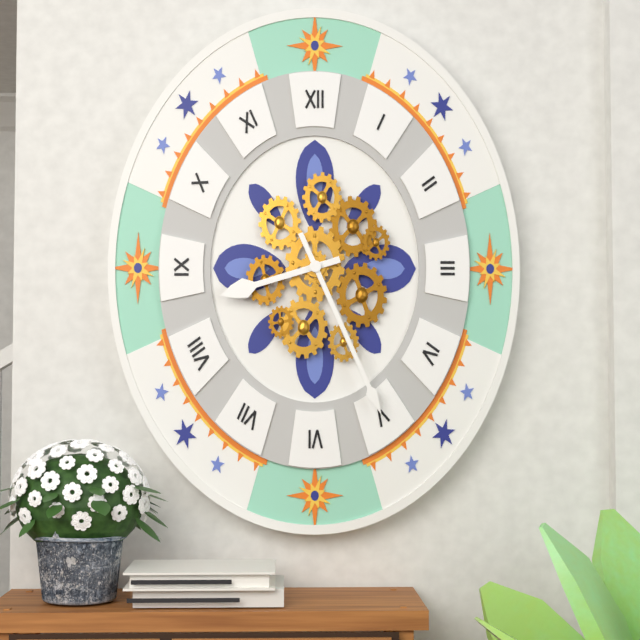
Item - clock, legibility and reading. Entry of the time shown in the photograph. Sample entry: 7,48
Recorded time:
8,26
